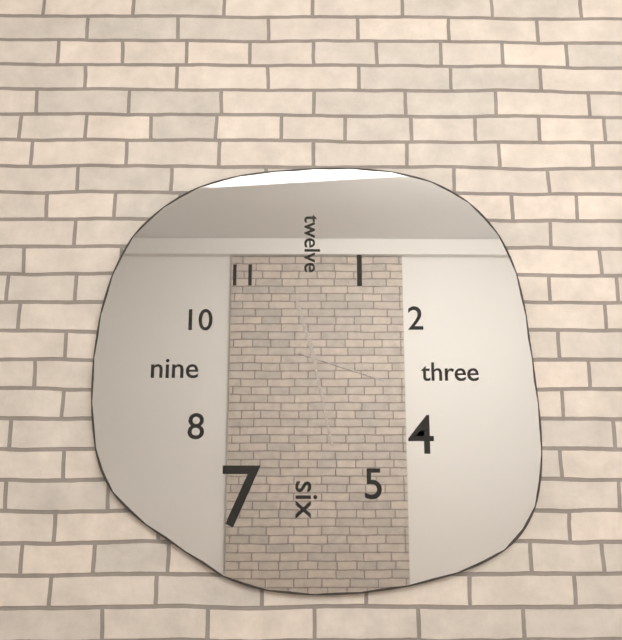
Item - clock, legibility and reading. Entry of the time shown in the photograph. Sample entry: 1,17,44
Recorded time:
11,28,18
